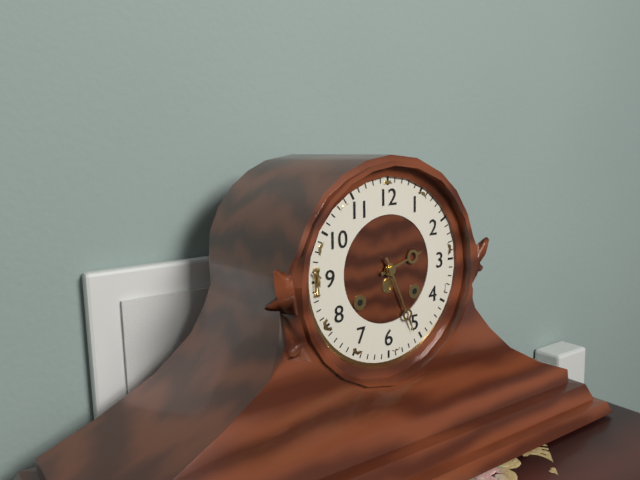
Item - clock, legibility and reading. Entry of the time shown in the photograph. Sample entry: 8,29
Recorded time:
2,26
